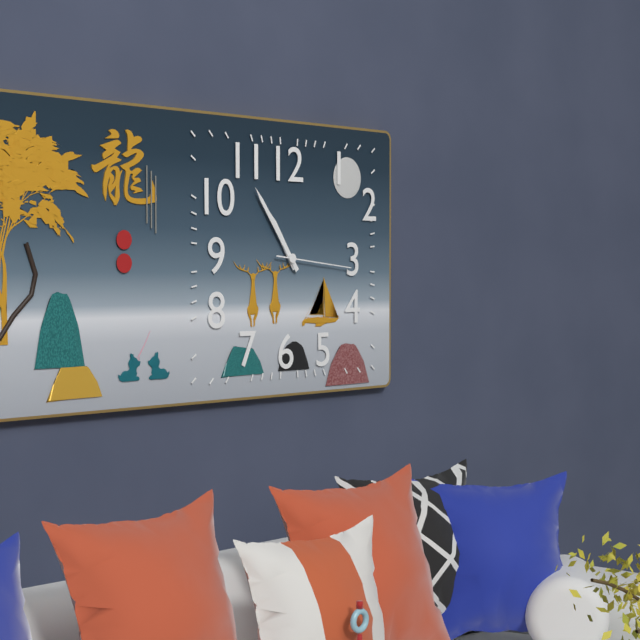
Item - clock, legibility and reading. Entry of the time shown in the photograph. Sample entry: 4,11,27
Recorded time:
10,54,16
